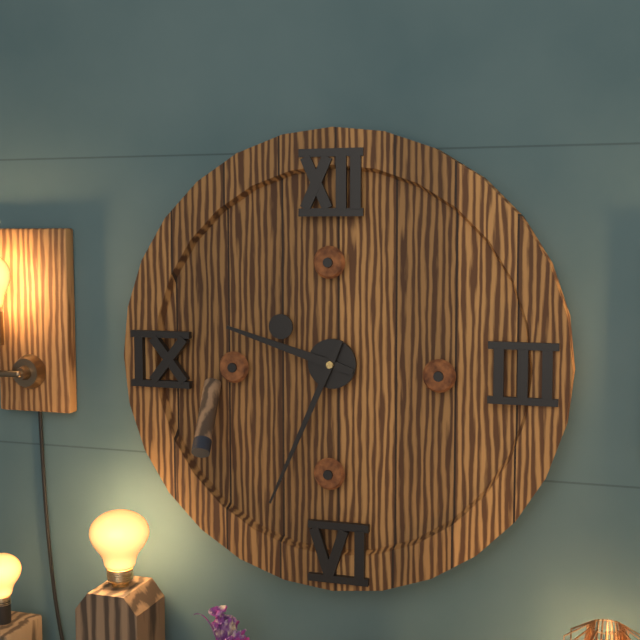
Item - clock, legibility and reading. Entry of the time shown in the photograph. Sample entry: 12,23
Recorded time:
9,34
